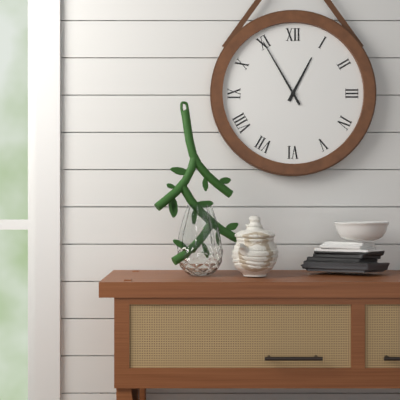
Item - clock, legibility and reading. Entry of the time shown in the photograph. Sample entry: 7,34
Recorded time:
12,55
